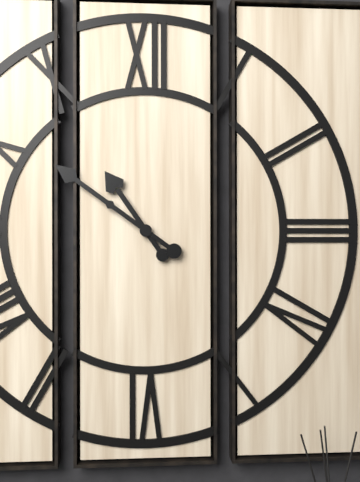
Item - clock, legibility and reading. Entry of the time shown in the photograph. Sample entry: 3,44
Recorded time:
10,51
